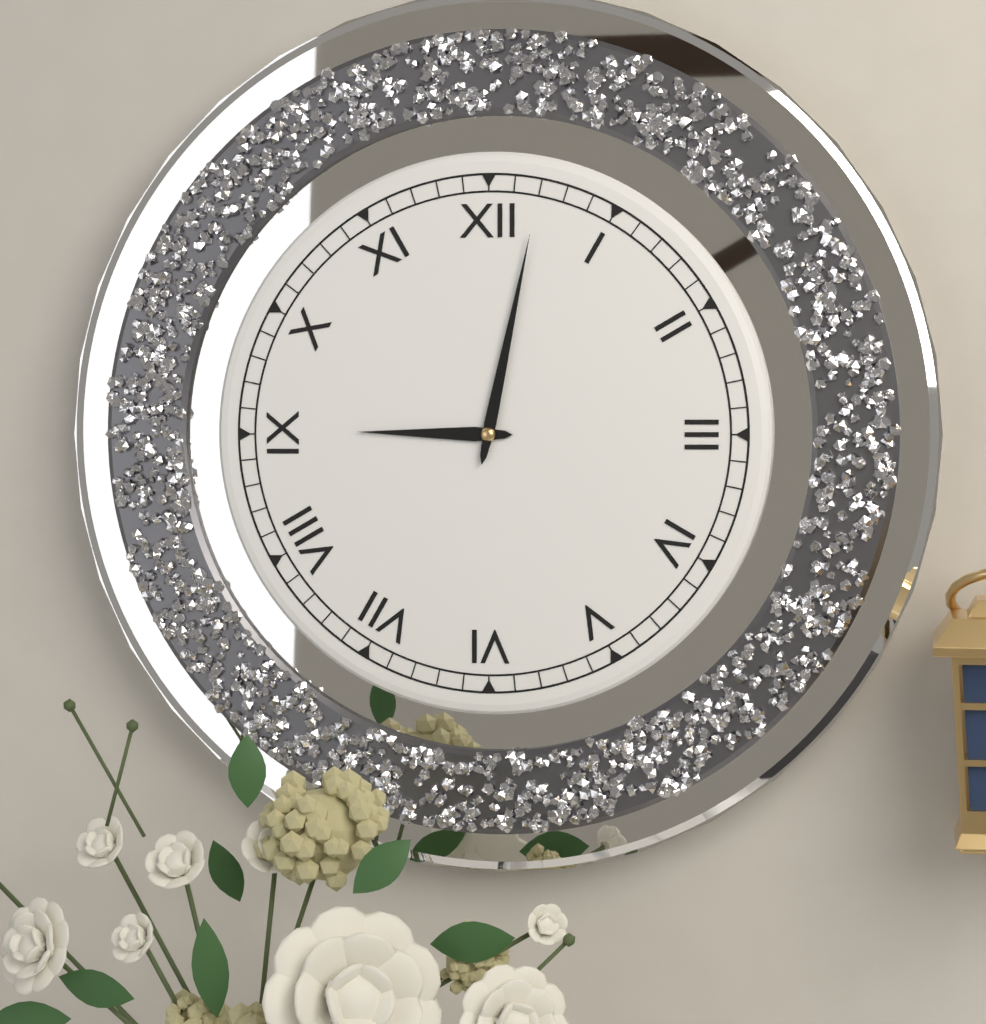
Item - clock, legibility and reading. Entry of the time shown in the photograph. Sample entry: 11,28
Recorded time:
9,02
